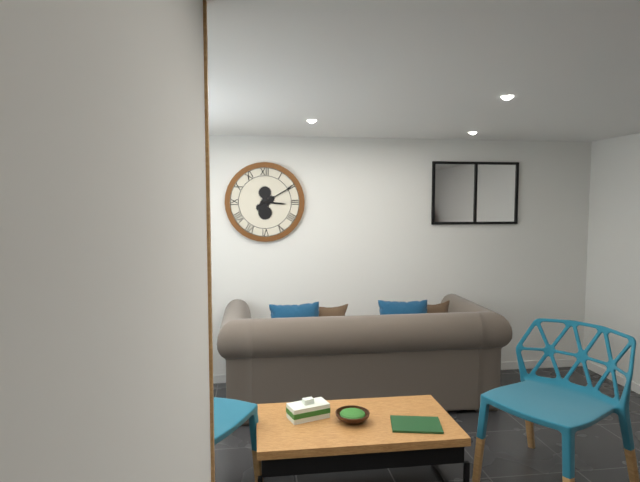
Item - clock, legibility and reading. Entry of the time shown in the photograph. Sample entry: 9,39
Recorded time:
3,10
